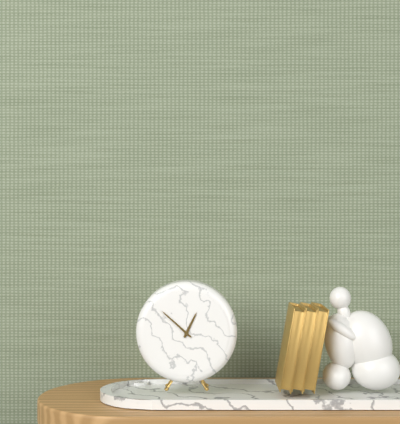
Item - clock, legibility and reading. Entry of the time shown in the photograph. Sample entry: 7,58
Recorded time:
12,52
